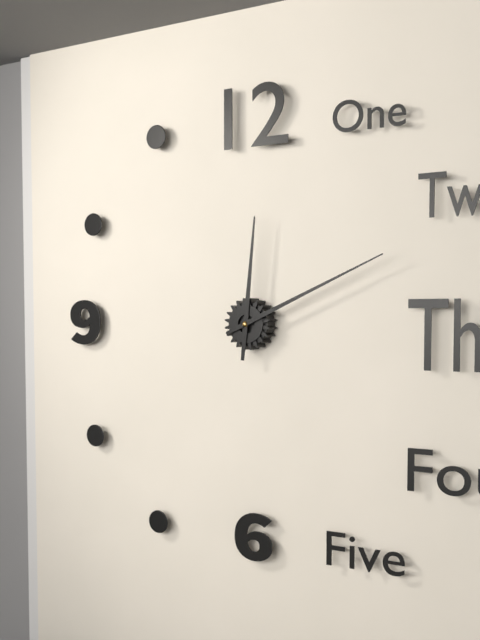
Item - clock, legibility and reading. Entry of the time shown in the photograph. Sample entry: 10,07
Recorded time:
12,11
